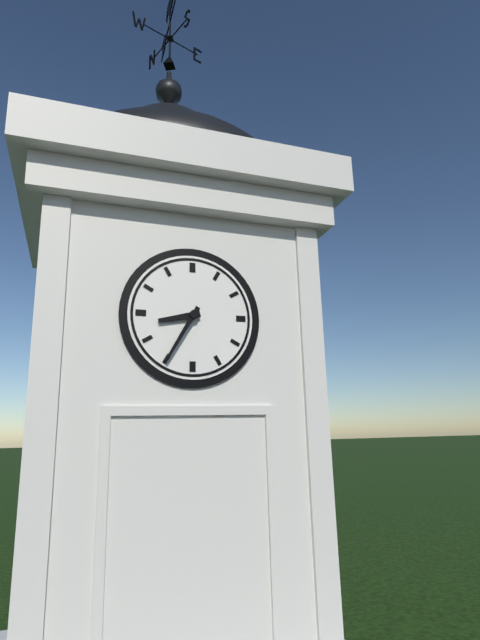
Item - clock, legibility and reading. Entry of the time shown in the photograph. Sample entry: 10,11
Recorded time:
8,35
